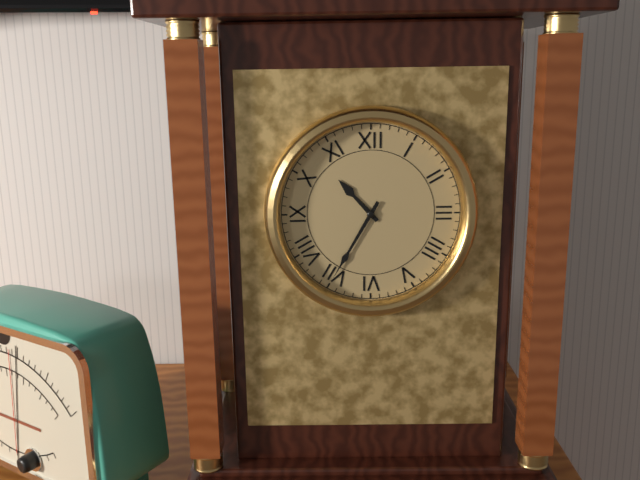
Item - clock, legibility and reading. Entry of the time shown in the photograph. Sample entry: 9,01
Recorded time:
10,35
